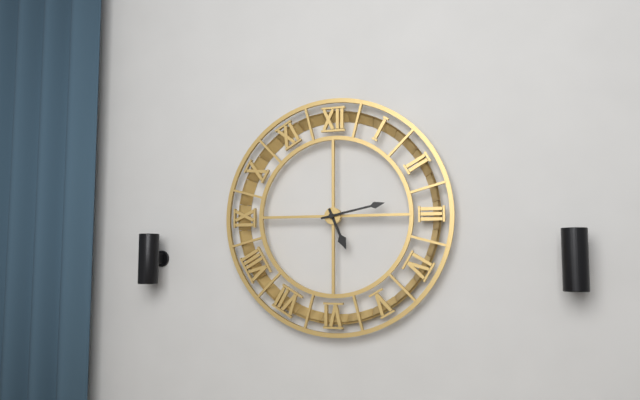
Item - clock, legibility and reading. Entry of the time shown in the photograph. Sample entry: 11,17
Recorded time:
5,13
